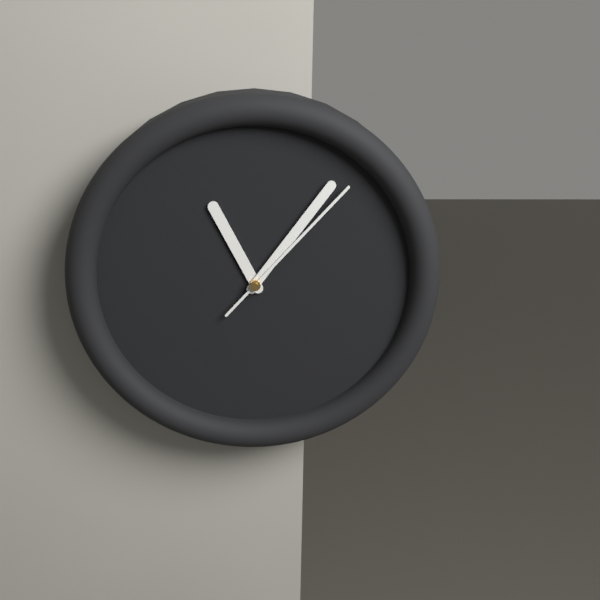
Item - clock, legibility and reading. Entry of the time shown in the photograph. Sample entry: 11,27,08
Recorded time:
11,06,07
